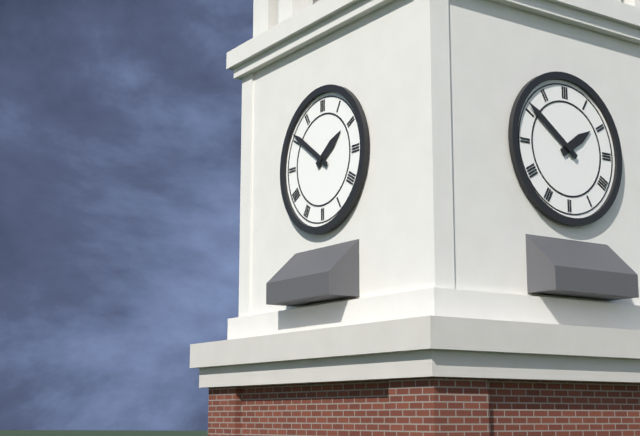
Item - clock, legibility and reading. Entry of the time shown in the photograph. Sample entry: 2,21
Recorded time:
1,51
